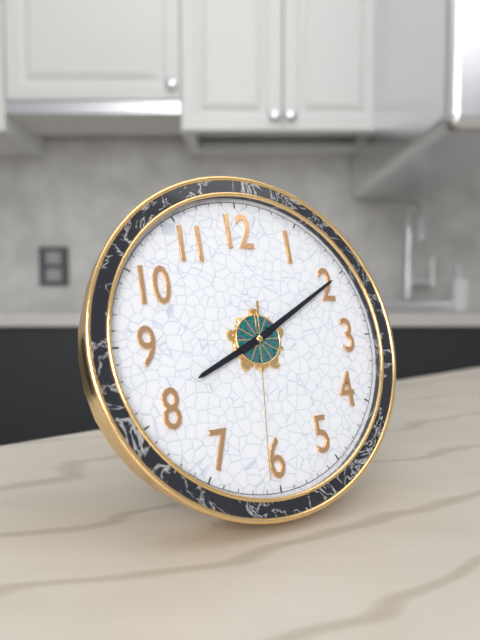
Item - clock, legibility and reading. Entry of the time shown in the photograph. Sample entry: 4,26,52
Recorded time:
8,10,31
